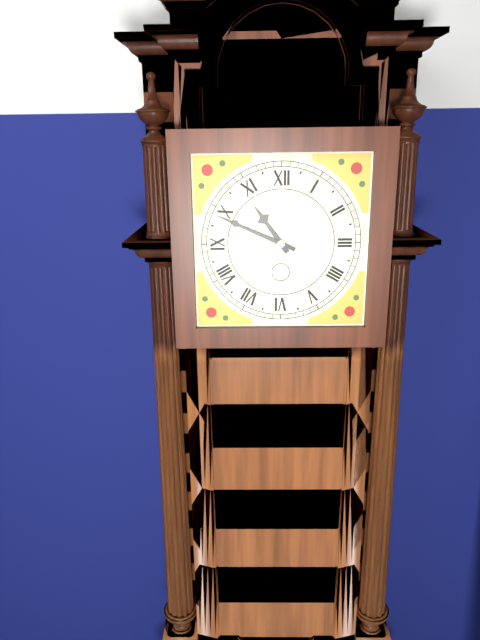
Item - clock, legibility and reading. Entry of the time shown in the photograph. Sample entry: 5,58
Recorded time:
10,49
